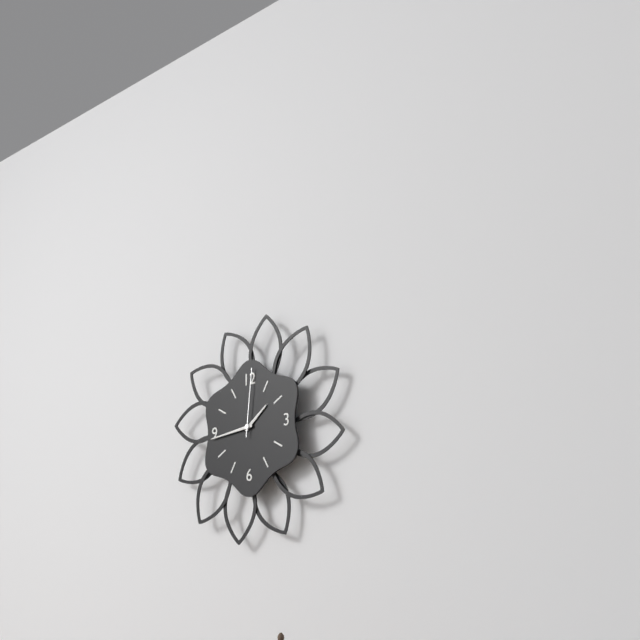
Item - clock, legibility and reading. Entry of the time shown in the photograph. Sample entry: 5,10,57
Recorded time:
1,44,01
